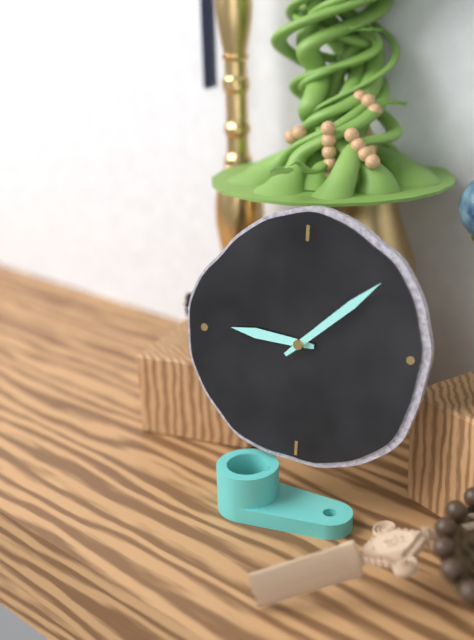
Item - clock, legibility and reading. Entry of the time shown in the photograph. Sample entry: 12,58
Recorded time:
9,08
